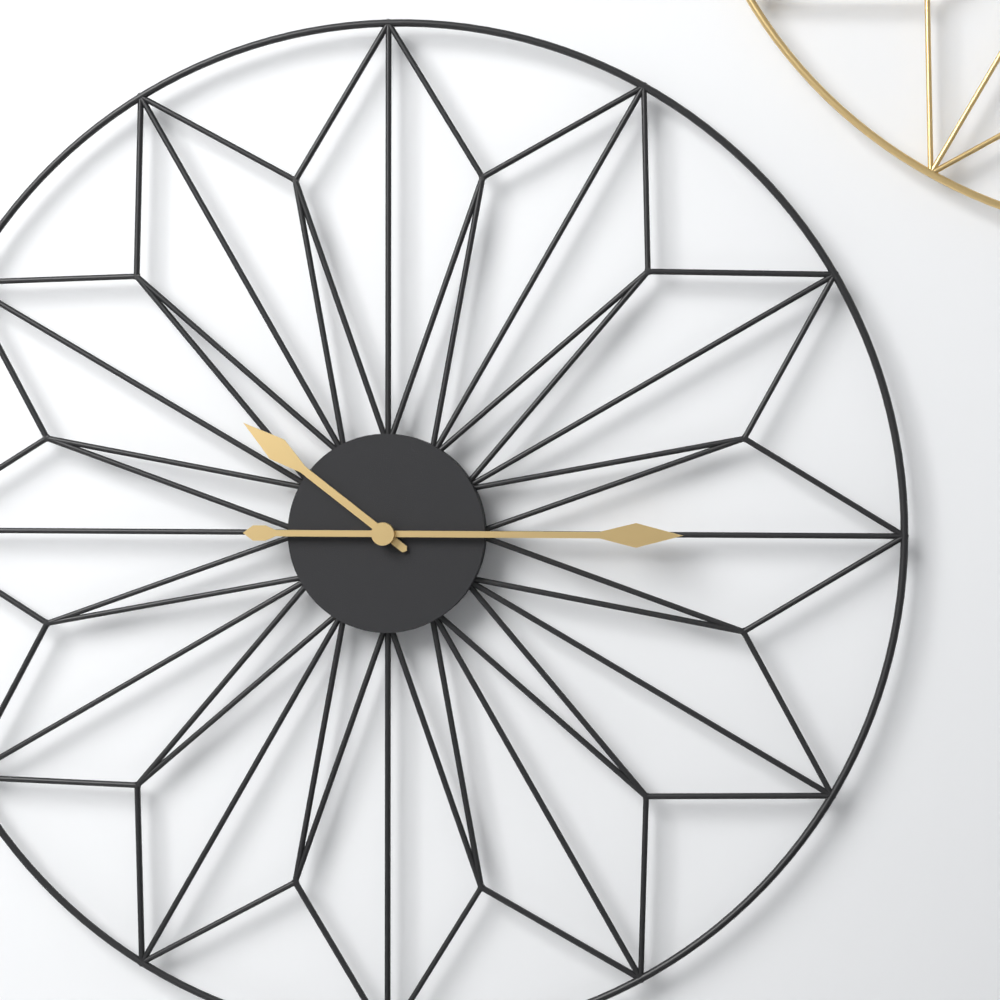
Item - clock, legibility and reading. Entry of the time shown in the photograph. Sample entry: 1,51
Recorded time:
10,15
